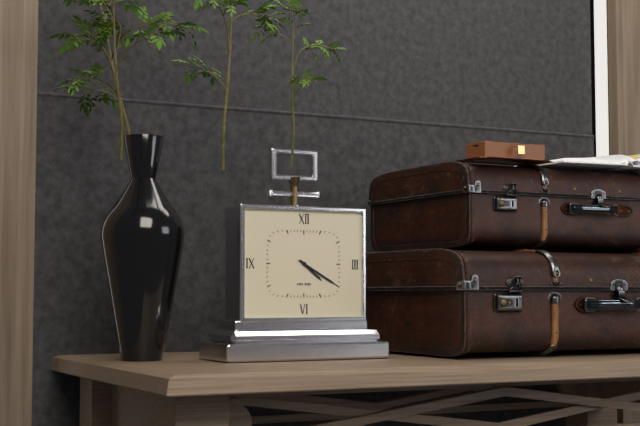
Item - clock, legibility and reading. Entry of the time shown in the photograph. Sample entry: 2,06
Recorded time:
4,20
